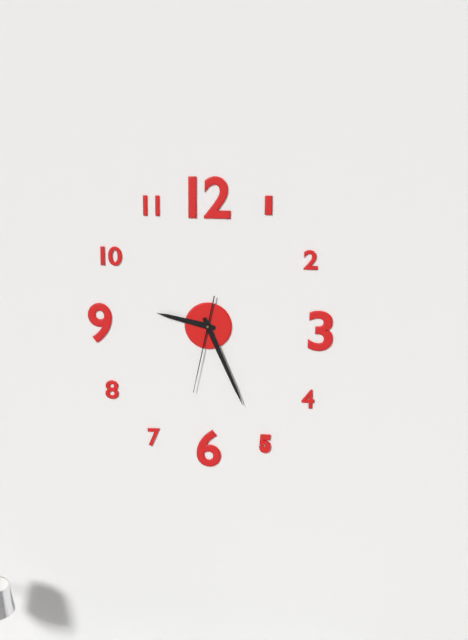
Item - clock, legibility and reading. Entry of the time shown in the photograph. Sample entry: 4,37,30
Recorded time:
9,26,32
